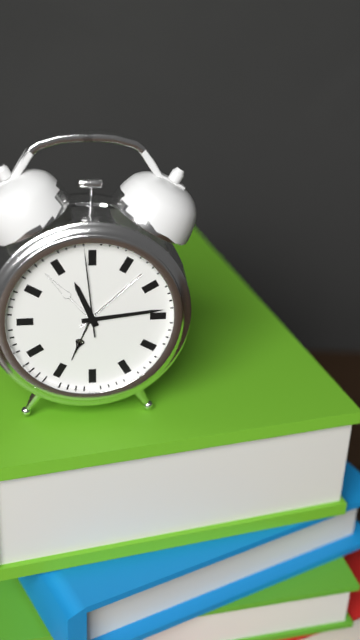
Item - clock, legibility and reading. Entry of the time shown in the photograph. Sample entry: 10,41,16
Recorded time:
11,14,59
